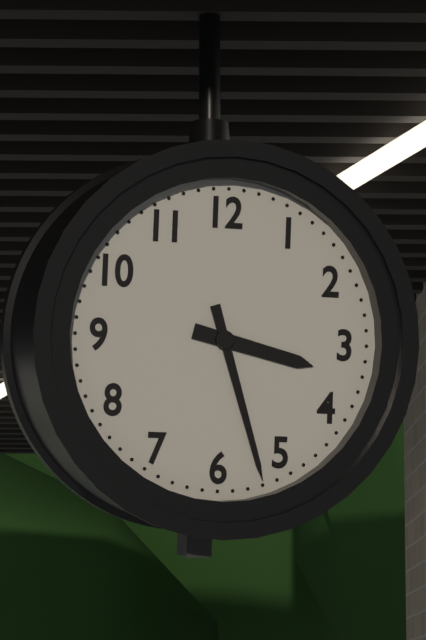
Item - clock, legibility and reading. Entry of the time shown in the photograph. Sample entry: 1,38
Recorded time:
3,27
